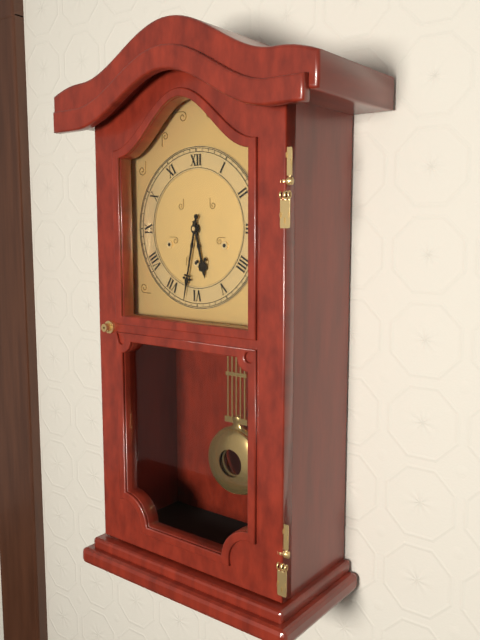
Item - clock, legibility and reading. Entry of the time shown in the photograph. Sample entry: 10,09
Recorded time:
5,32
